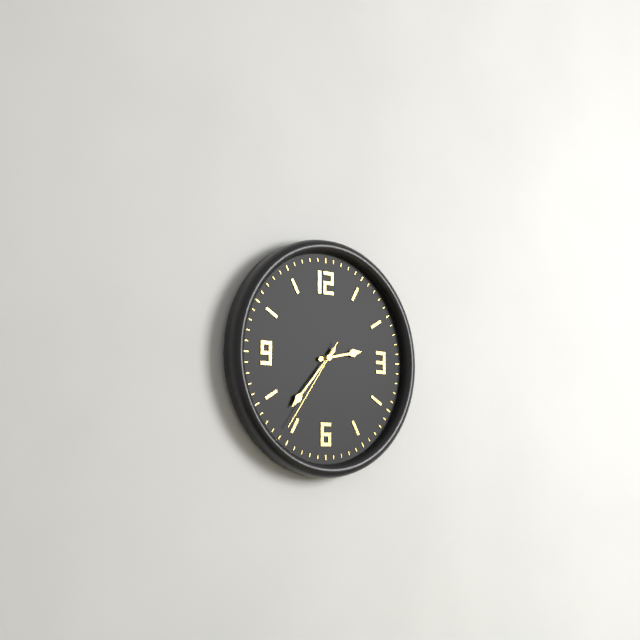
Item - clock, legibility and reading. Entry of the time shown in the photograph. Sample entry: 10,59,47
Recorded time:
2,37,36
